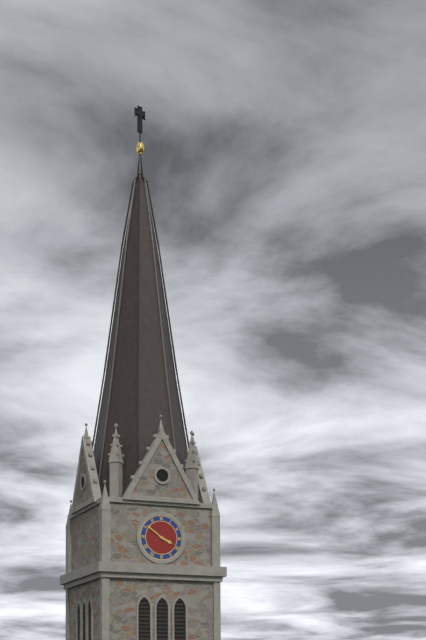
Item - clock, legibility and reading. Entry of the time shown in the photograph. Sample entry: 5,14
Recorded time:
3,51
